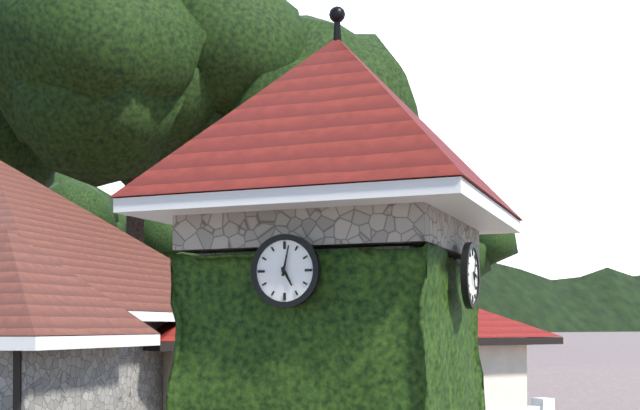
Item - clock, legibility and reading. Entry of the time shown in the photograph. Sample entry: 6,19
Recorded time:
5,02
